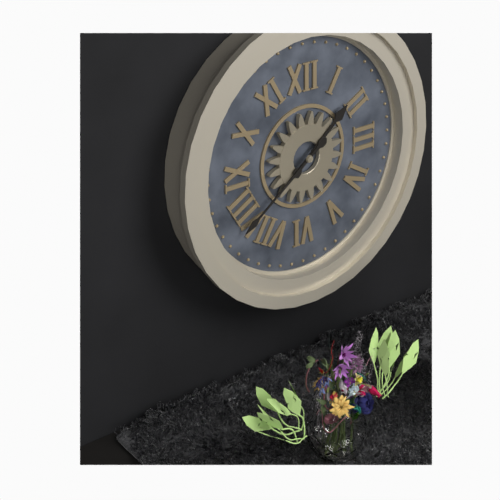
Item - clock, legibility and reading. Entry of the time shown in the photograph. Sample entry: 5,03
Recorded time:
1,39
